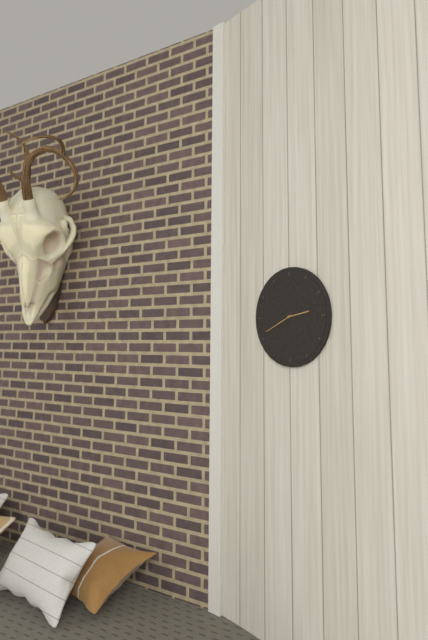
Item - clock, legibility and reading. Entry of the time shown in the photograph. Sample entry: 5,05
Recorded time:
2,41
